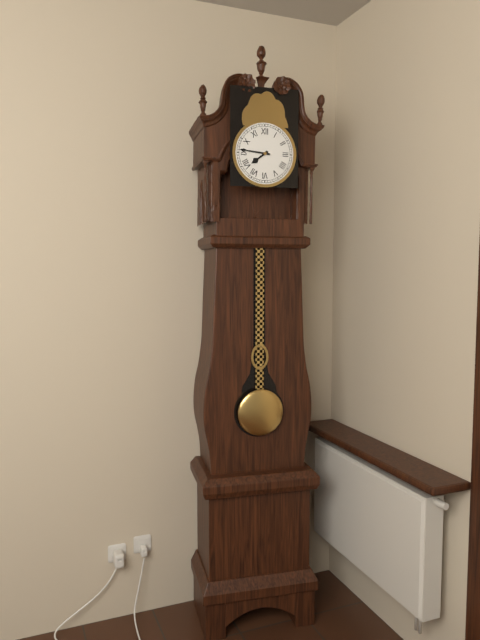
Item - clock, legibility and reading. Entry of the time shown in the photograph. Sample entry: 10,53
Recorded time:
7,46
